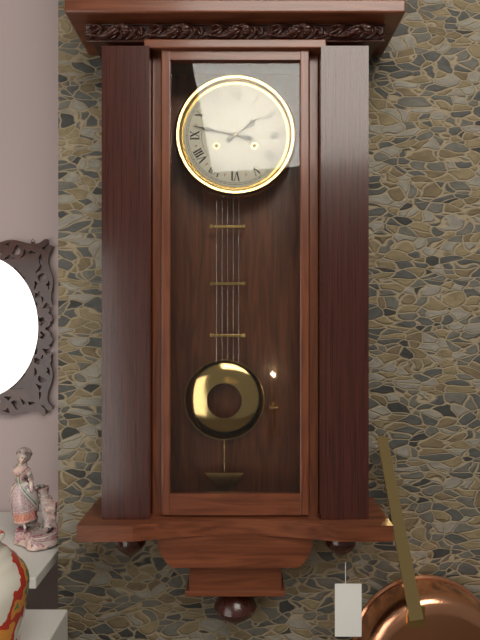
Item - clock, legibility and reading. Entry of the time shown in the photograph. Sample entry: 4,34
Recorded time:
1,47
